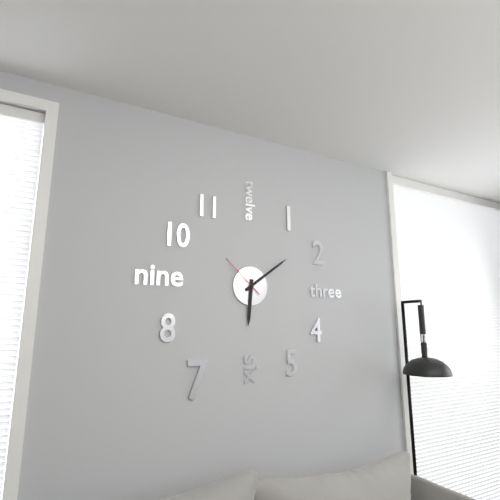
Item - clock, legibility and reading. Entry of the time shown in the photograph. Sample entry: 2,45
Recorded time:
6,09
